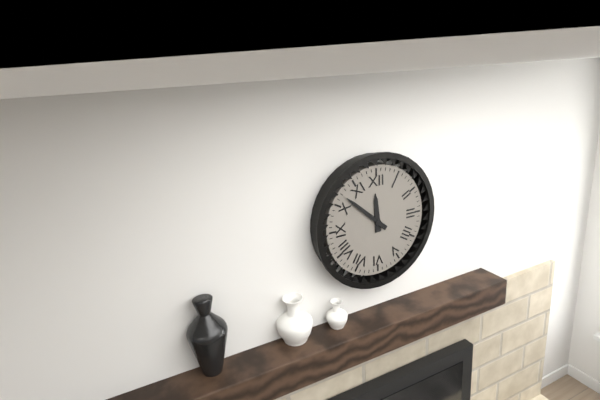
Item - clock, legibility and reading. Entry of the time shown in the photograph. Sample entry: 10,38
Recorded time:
11,52
